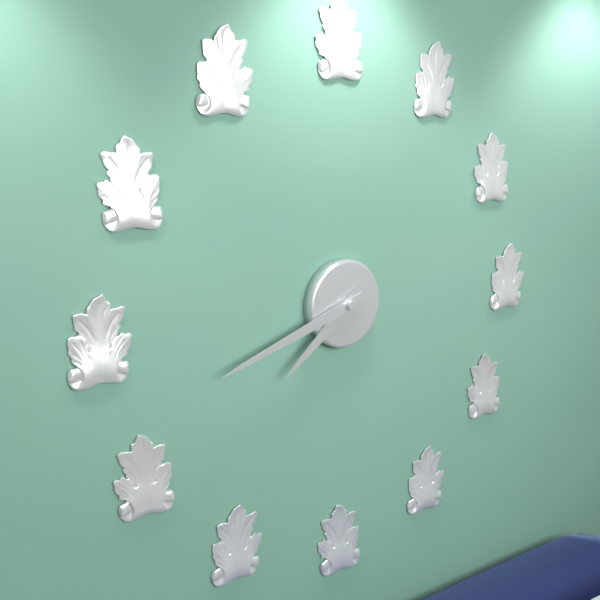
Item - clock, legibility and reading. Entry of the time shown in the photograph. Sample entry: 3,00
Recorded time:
7,42
